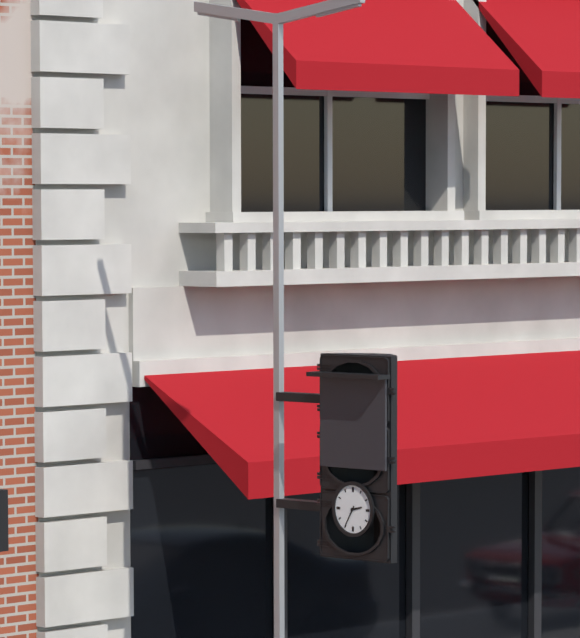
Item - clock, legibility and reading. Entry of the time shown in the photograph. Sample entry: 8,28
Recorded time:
2,35
